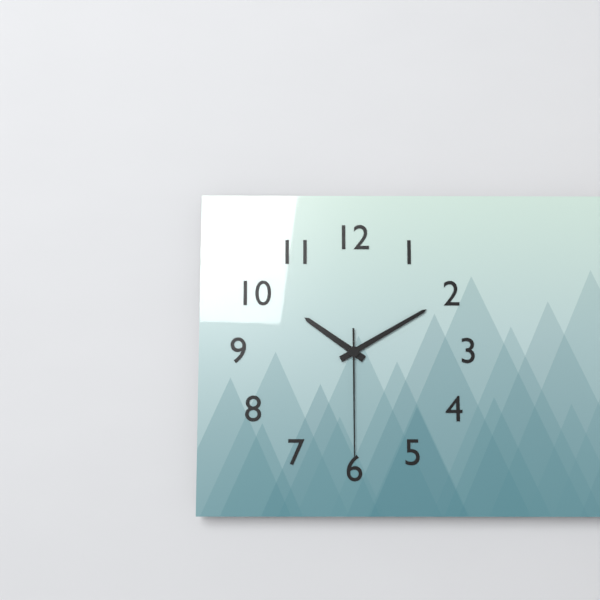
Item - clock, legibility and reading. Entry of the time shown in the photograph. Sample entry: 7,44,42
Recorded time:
10,10,30
